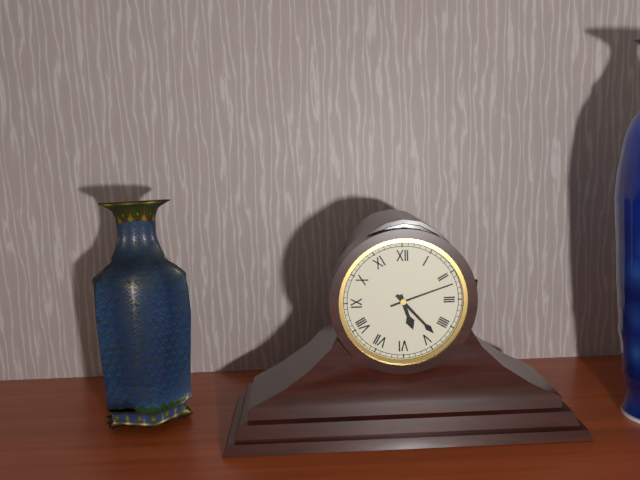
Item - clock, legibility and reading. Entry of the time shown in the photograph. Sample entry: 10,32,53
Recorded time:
5,23,12
